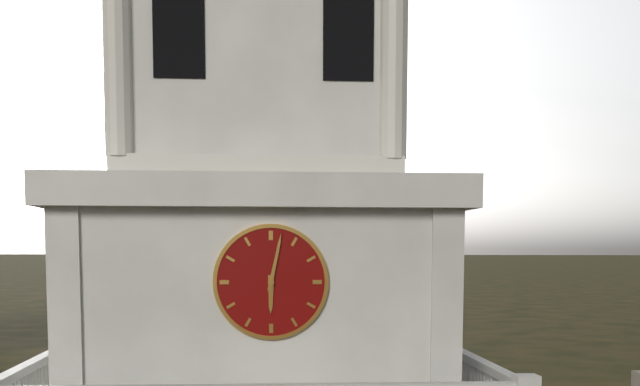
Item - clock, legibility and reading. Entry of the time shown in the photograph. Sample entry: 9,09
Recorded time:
6,02
